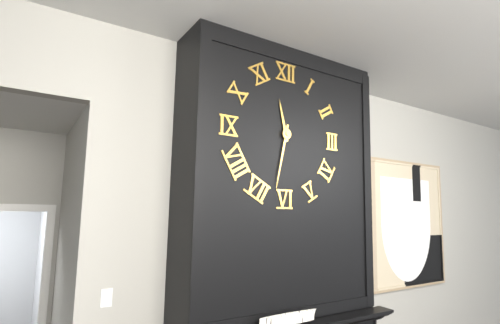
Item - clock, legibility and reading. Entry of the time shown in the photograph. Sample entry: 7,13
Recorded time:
11,32
